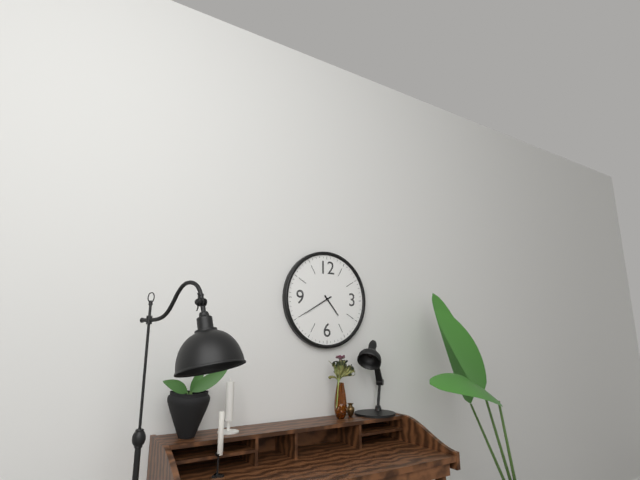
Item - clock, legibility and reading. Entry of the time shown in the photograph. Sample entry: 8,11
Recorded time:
4,40
